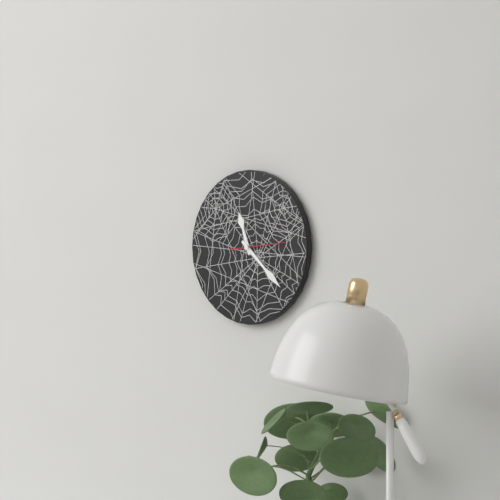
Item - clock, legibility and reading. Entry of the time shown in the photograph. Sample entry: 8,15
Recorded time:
11,22
